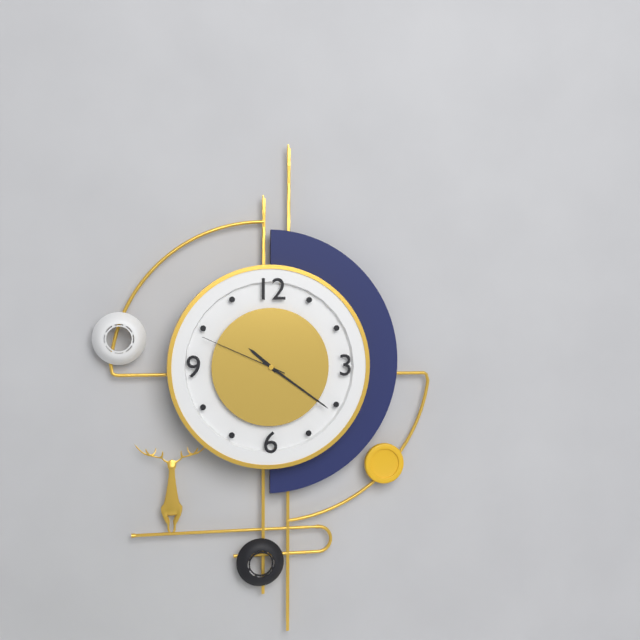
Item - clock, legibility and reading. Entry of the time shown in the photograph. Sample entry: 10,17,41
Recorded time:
10,21,49
